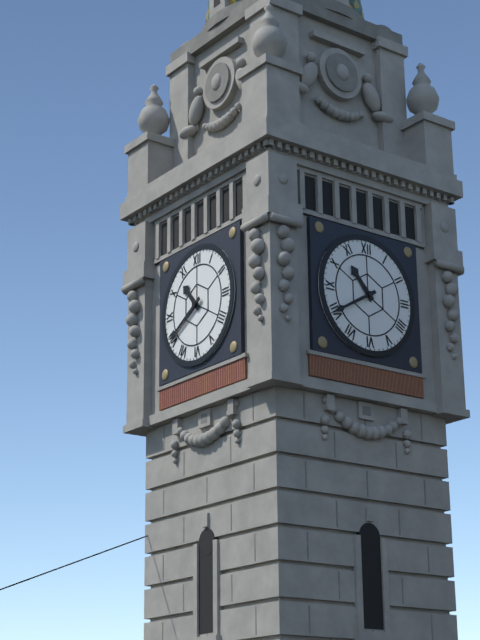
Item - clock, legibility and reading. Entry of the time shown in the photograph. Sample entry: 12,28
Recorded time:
10,40
